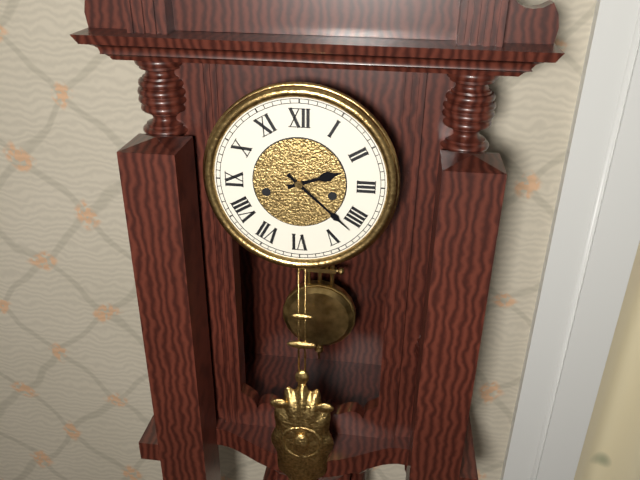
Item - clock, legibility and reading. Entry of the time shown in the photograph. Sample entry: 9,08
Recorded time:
2,22
